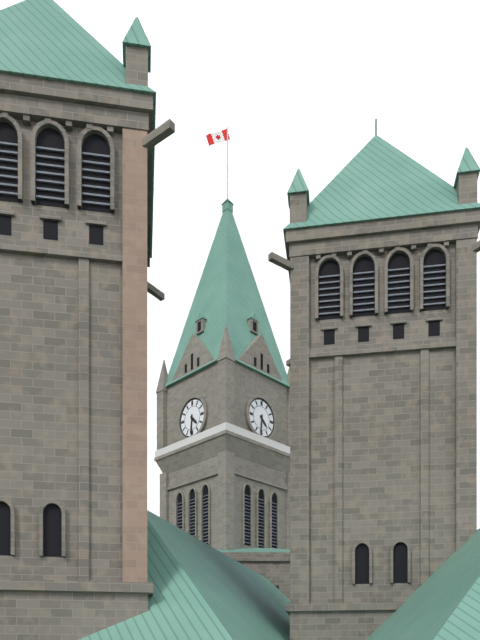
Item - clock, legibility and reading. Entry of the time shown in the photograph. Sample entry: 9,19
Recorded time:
4,31
